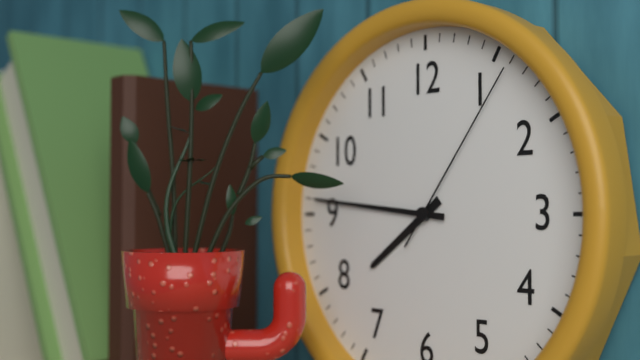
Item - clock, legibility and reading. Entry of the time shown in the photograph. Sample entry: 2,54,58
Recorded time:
7,46,06
